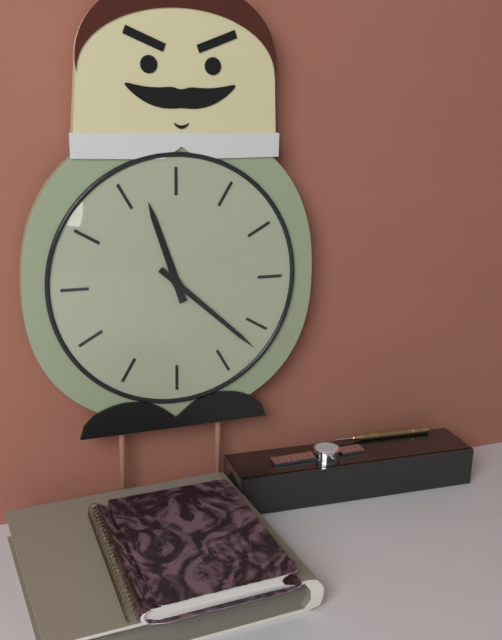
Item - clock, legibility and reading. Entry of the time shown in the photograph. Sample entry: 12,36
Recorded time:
11,22
